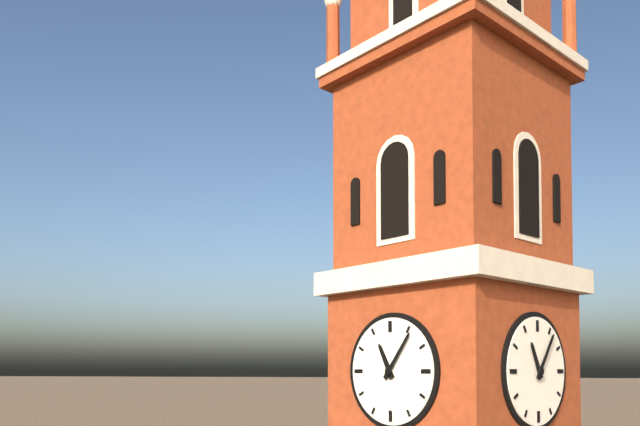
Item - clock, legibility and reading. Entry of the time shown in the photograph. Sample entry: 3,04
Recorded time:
11,06
